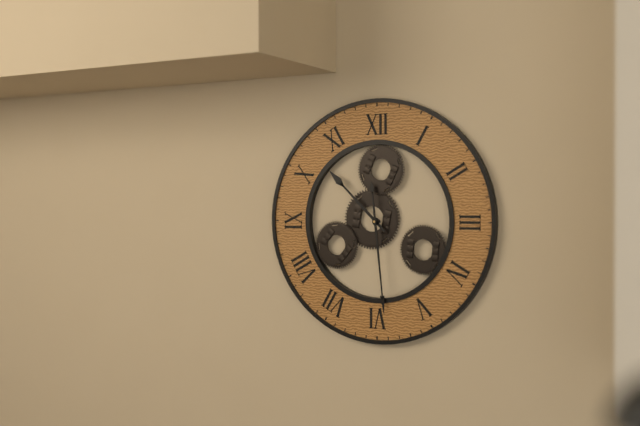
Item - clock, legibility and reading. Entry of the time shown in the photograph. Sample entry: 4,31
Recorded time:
10,29
